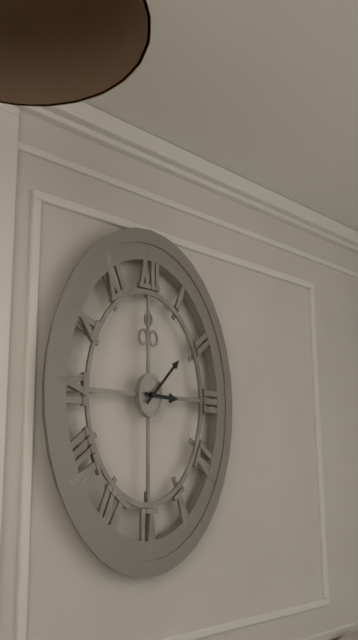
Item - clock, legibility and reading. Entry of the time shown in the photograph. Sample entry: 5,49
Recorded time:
3,07
